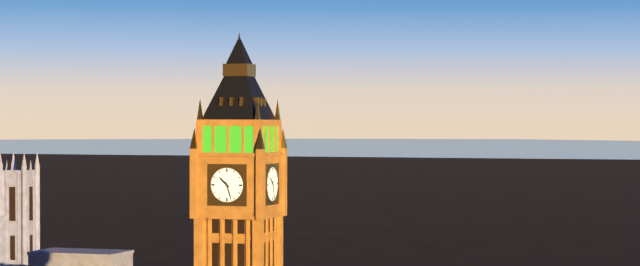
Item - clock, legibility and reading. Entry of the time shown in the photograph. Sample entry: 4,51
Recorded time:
10,27
